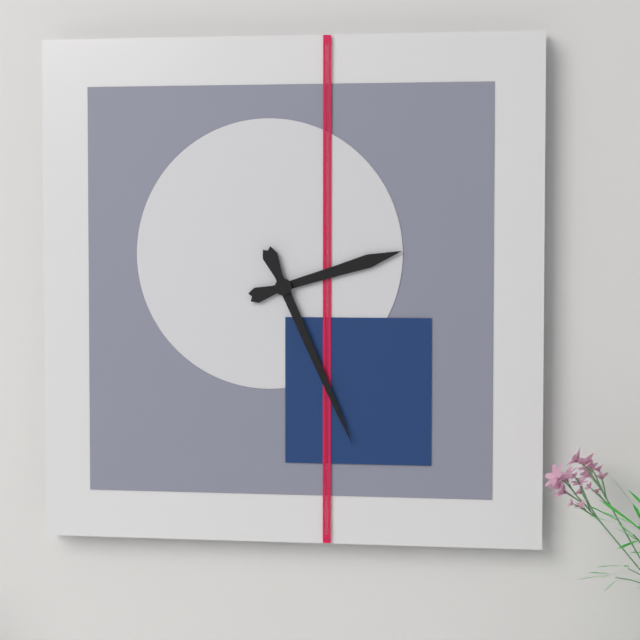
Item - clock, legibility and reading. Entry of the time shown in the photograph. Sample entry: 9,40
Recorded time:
2,26
